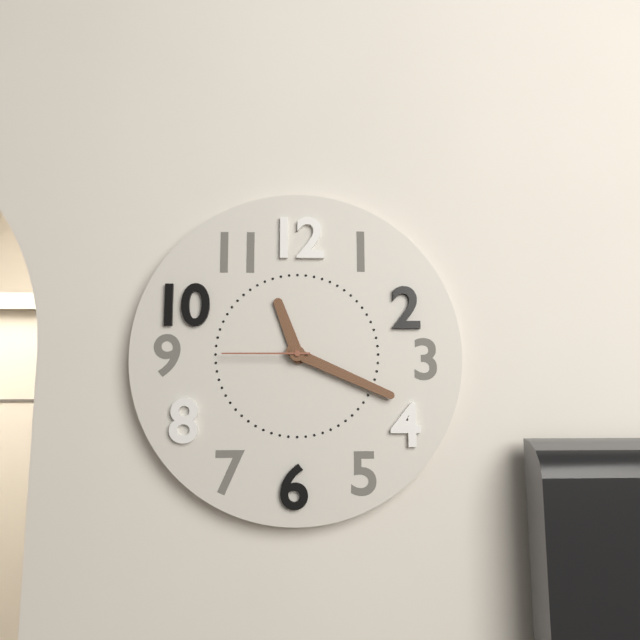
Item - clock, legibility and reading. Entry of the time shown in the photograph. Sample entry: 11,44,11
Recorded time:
11,19,45
